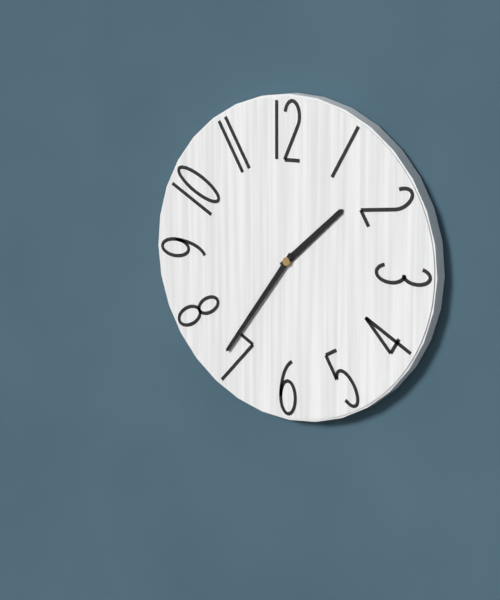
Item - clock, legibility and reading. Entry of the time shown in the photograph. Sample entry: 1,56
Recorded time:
1,36
